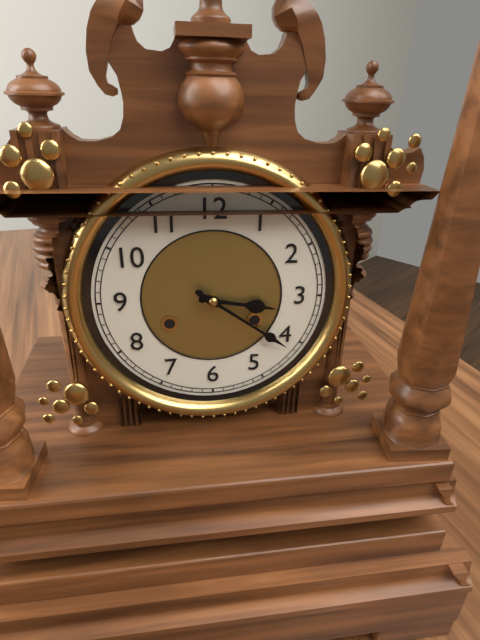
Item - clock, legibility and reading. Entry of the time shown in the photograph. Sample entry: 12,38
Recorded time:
3,21
